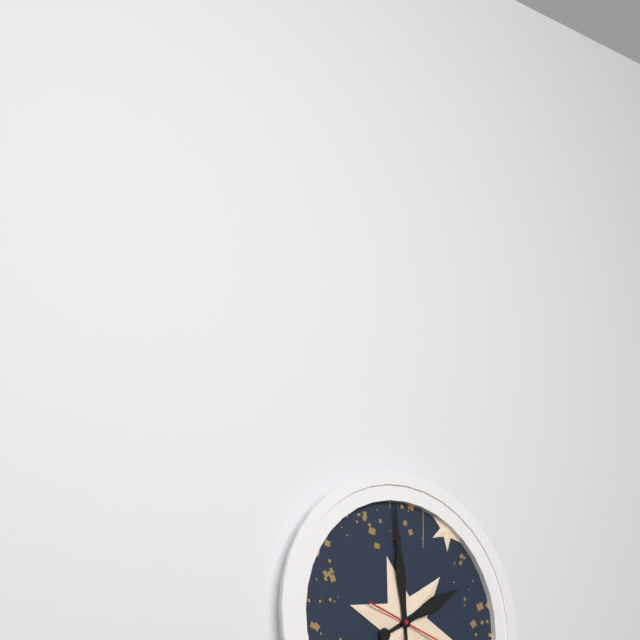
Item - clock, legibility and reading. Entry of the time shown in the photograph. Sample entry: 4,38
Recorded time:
1,59
